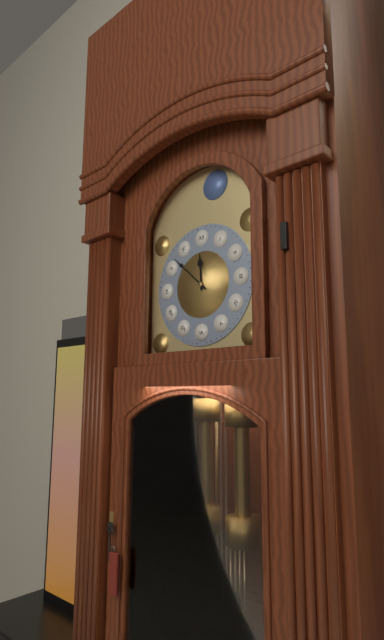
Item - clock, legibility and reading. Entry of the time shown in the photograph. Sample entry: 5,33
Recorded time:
11,52
